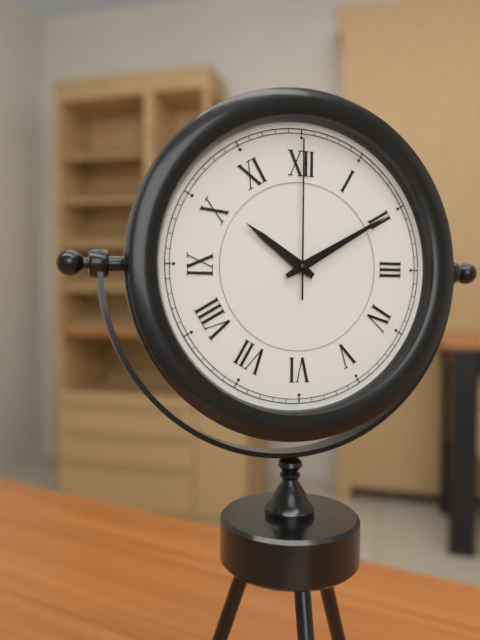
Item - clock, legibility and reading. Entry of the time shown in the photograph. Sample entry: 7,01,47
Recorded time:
10,10,00
